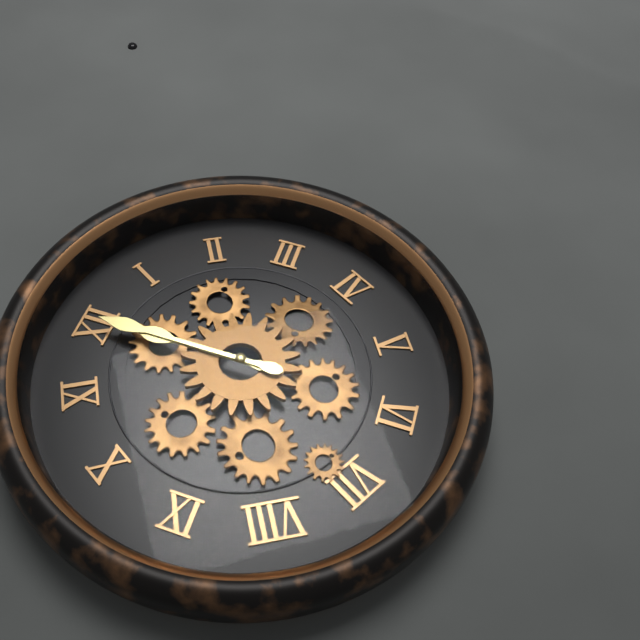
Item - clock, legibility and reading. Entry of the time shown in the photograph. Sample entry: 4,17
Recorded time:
12,00
